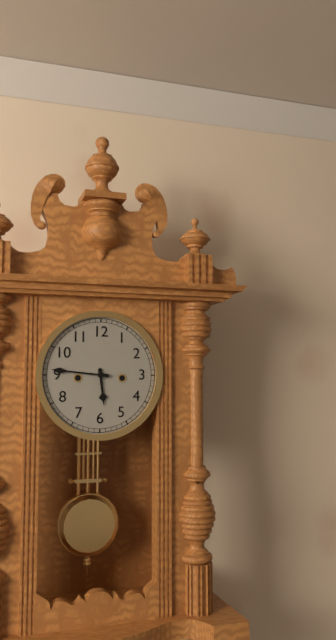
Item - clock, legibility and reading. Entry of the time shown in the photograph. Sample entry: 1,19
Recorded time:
5,46
